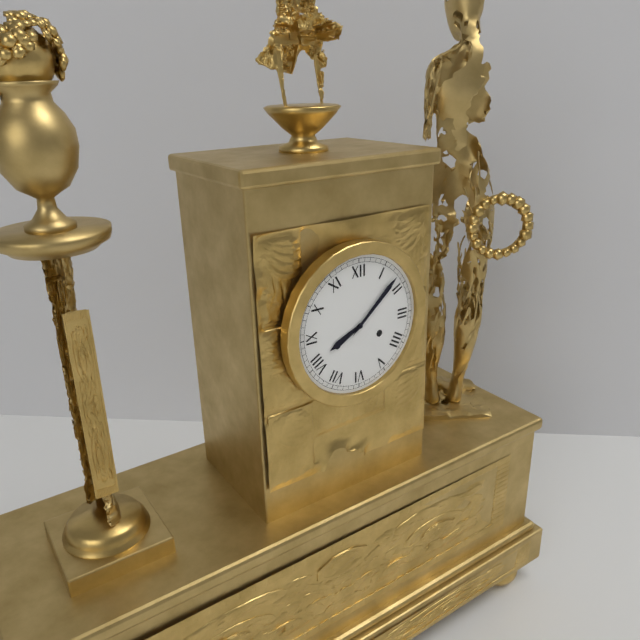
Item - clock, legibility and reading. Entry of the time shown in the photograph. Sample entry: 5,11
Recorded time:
8,08
